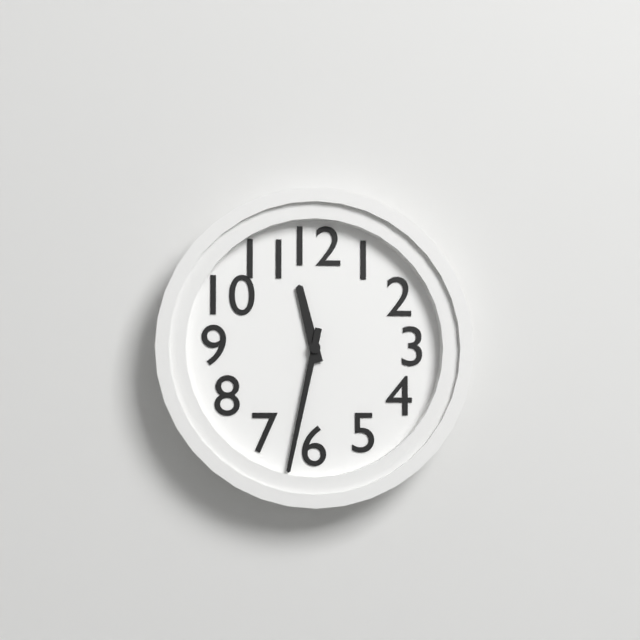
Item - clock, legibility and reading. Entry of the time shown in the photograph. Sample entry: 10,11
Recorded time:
11,32
